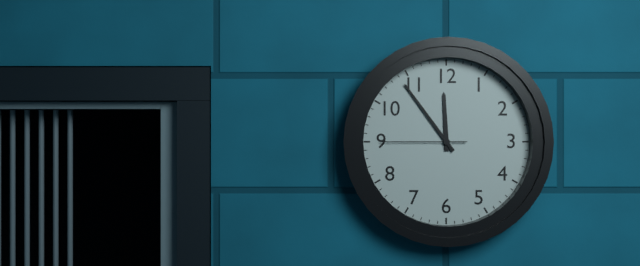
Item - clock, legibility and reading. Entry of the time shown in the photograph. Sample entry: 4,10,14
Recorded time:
11,54,45
